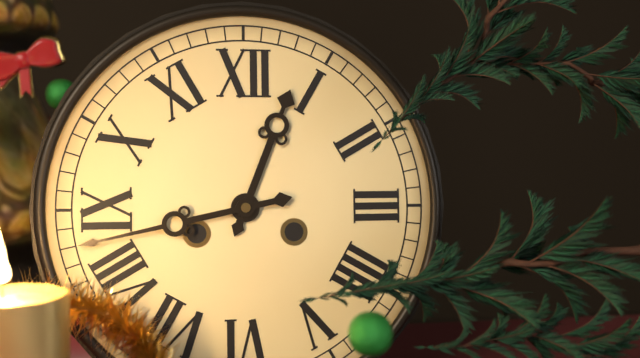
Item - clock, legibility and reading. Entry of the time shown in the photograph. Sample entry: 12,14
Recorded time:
12,43
